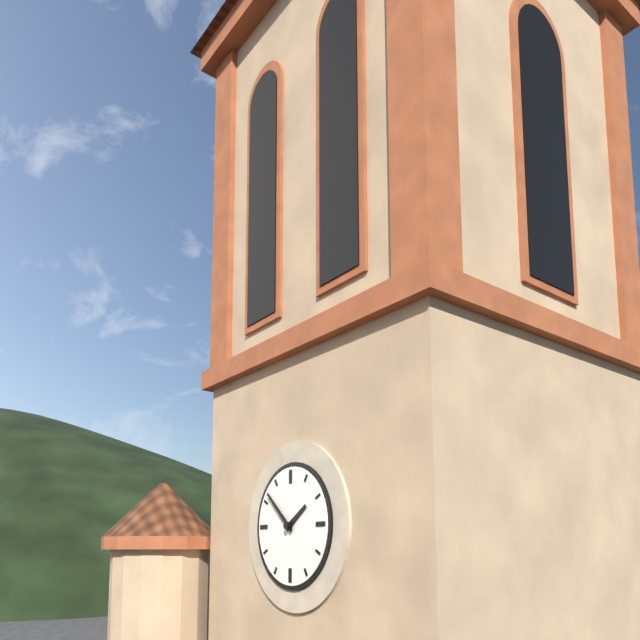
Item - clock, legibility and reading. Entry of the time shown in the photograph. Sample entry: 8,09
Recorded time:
1,52
